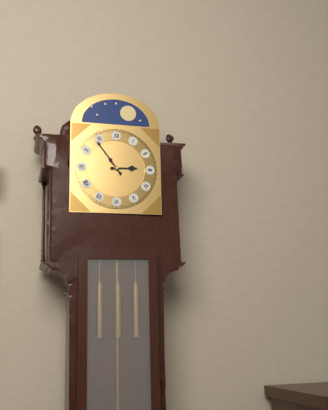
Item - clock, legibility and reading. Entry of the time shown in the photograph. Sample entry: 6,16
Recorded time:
2,54
